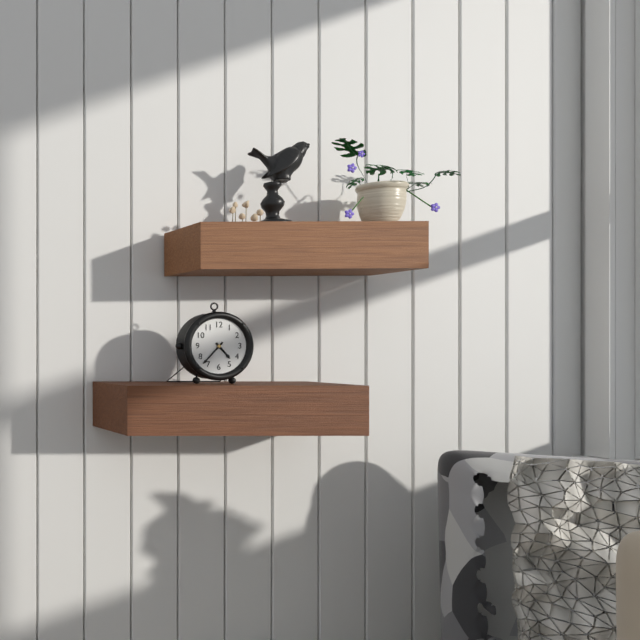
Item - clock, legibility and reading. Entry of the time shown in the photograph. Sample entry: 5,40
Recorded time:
4,37
